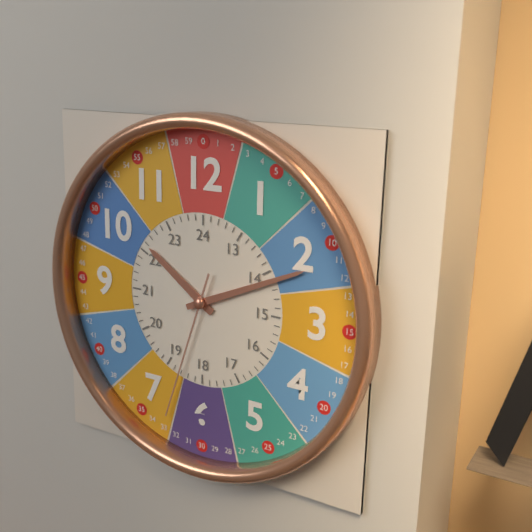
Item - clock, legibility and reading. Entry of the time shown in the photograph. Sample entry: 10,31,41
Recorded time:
10,11,33
